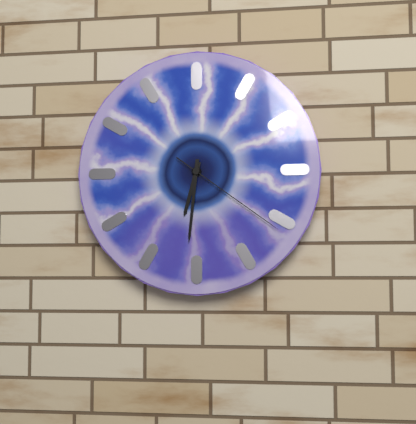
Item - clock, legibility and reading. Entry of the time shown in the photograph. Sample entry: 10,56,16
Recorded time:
6,31,21
